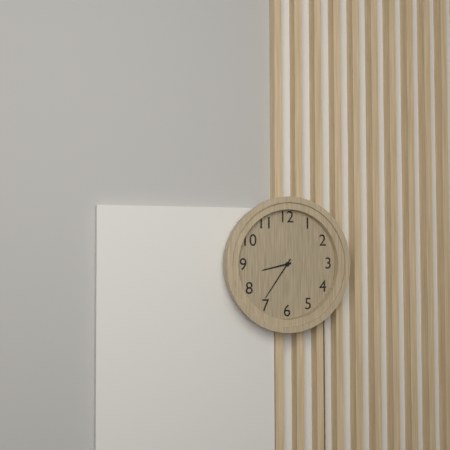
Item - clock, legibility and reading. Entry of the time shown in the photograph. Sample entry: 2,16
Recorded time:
8,36
